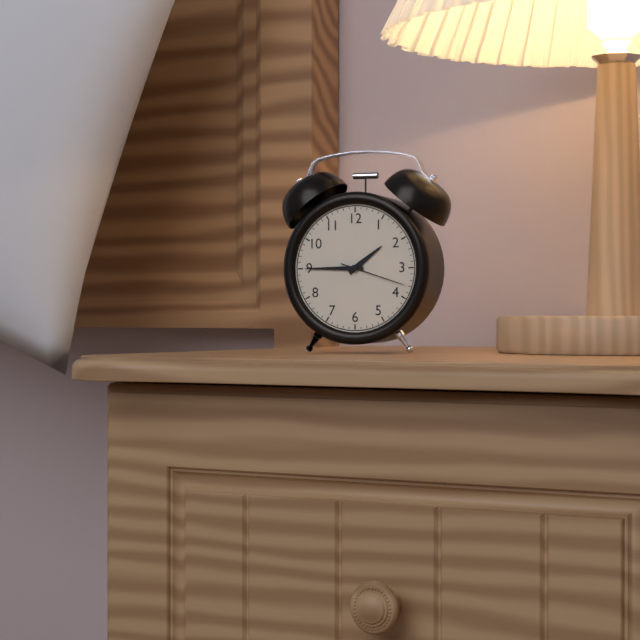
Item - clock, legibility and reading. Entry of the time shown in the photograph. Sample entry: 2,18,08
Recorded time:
1,45,18
